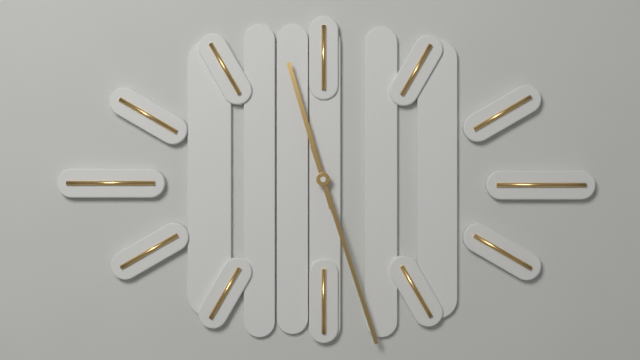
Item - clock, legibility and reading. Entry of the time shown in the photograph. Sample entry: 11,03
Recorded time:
11,27
